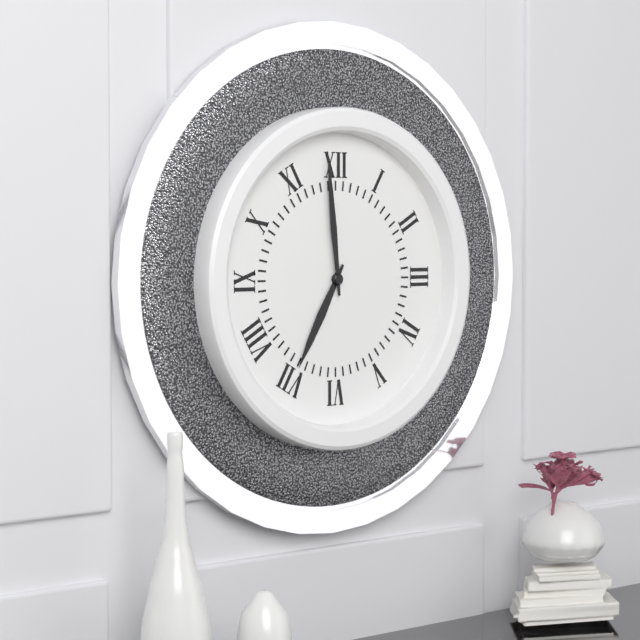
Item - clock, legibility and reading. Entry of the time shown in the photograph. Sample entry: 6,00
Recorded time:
6,59
